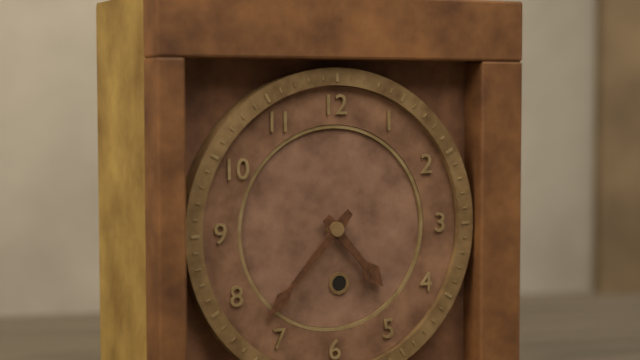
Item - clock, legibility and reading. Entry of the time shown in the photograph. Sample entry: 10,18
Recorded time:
4,37
